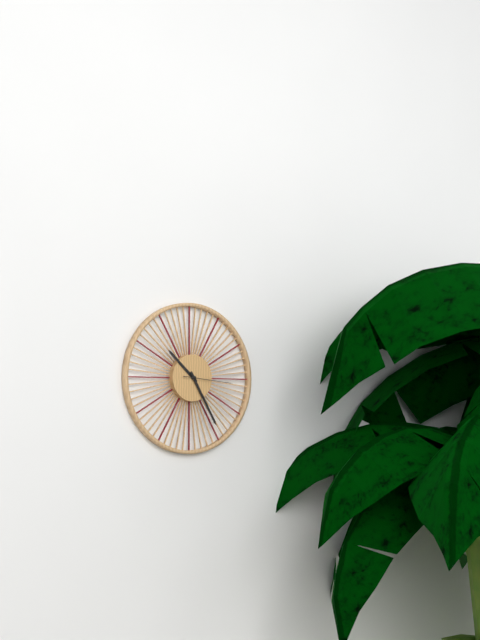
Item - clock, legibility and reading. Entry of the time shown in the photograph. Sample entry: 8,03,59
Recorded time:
10,25,16
